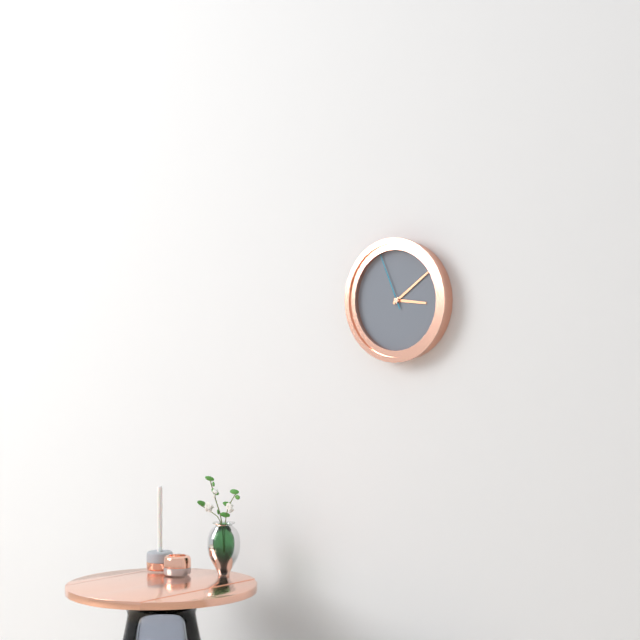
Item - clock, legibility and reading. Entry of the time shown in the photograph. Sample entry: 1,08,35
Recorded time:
3,09,56
